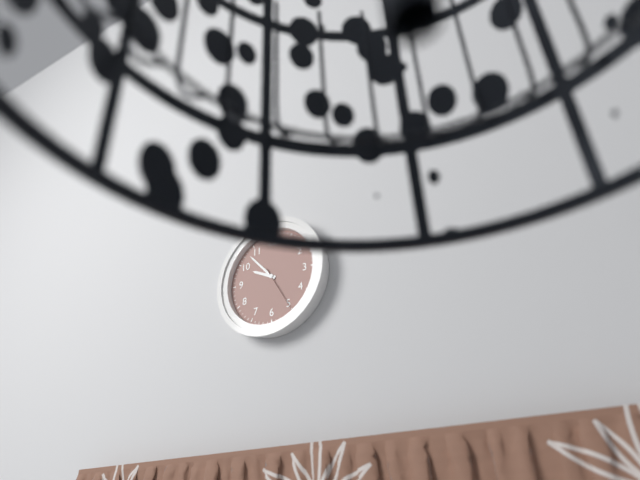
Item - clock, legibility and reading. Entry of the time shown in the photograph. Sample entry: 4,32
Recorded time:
9,53
